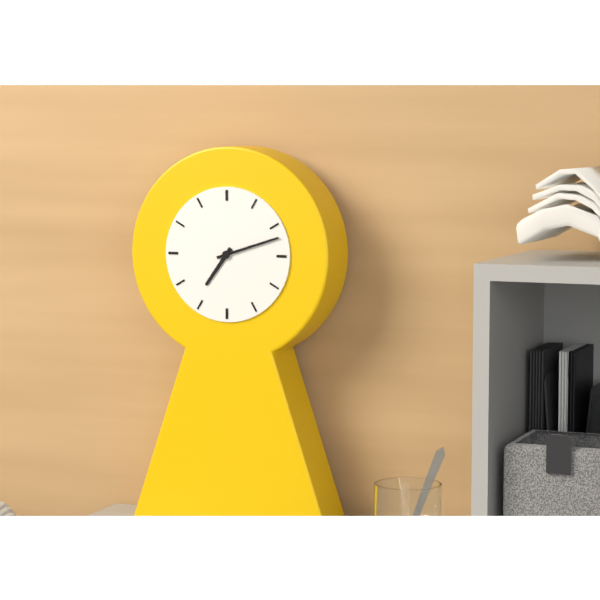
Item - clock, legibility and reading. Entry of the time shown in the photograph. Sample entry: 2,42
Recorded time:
7,12
